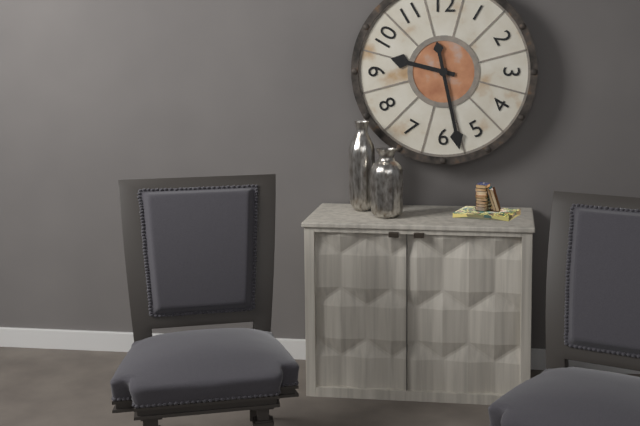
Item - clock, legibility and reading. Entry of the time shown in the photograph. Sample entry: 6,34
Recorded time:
9,28
